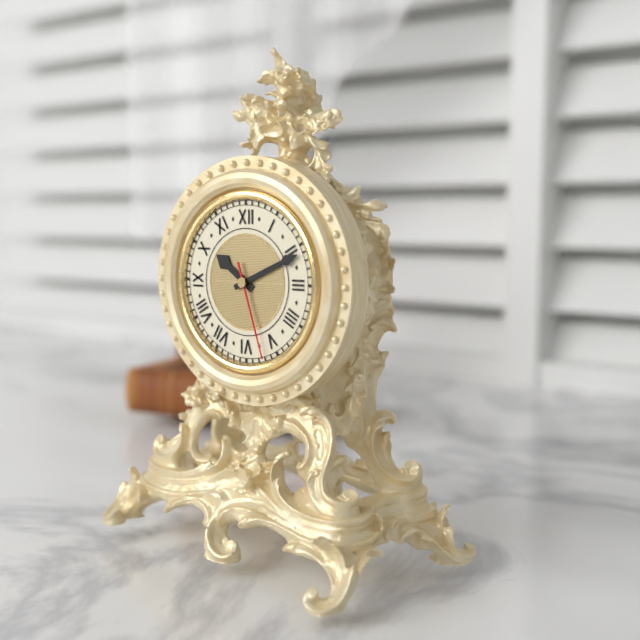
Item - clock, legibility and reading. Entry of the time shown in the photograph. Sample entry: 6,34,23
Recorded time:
10,11,27
